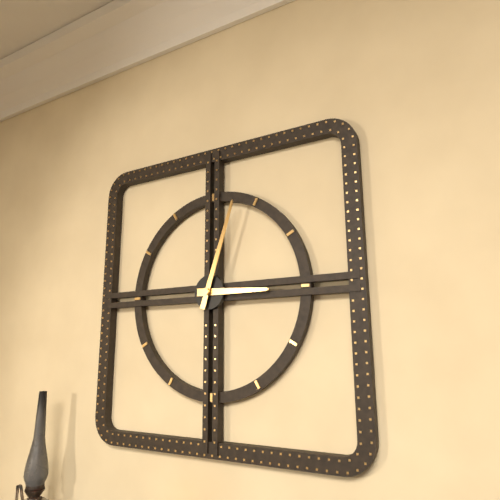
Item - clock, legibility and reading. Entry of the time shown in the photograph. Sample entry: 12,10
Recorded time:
3,03
